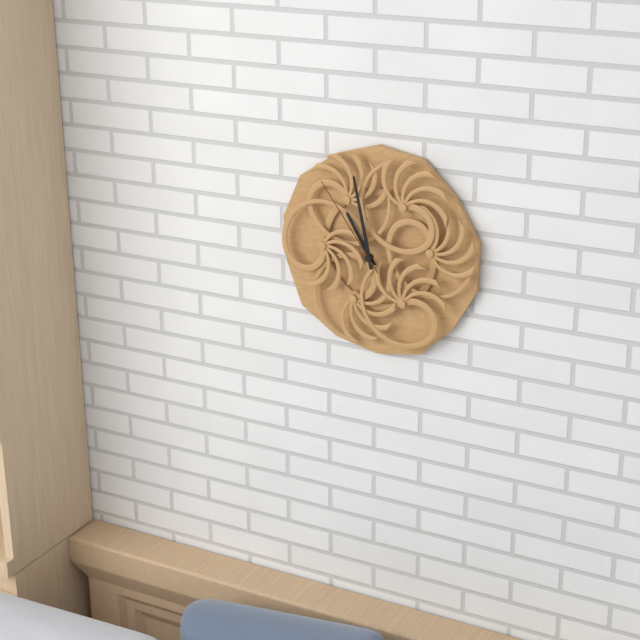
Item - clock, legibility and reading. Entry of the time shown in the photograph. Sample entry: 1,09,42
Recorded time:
10,58,54
